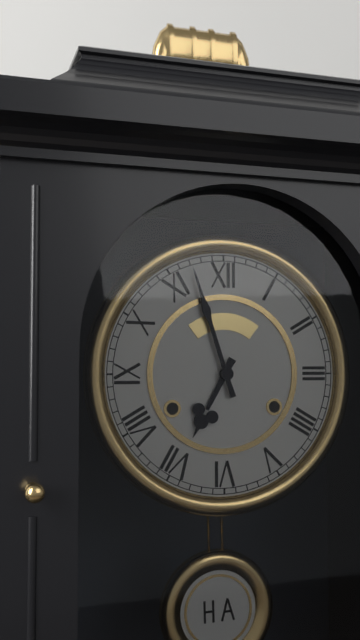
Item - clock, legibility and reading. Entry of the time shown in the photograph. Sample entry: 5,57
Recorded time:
6,57
